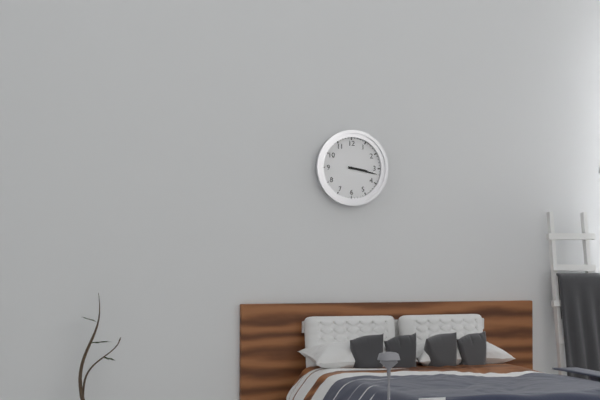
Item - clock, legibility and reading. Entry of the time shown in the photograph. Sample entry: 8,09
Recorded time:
3,17
